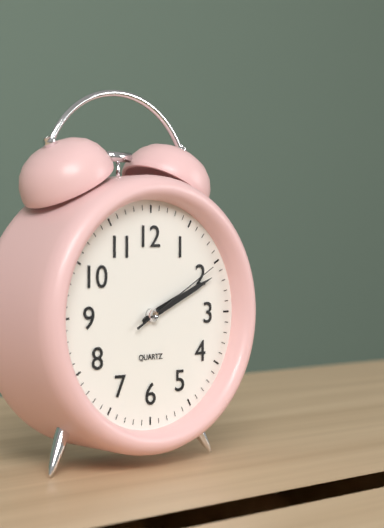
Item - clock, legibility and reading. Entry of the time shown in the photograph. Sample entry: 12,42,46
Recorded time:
2,11,10
